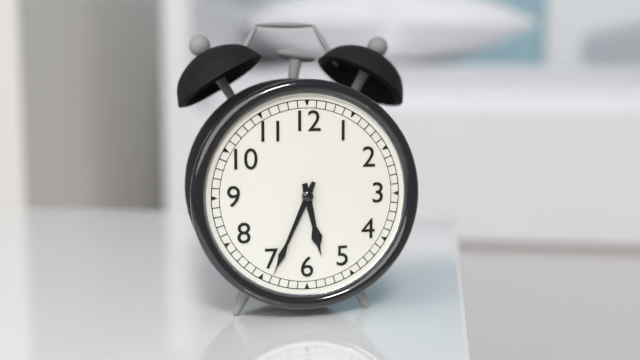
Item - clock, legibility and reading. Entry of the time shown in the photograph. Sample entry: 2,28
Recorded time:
5,34
